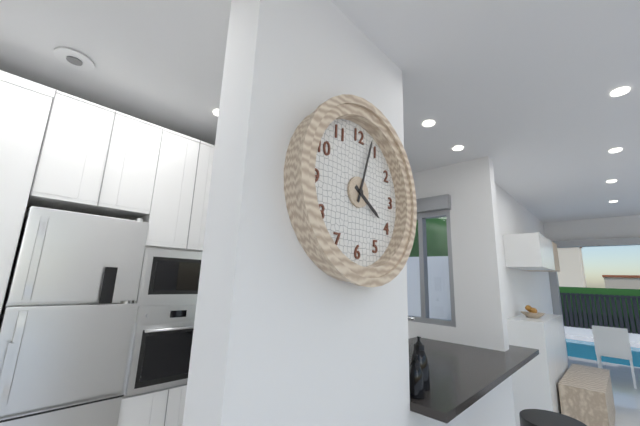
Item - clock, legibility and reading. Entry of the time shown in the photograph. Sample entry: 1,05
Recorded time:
4,03
